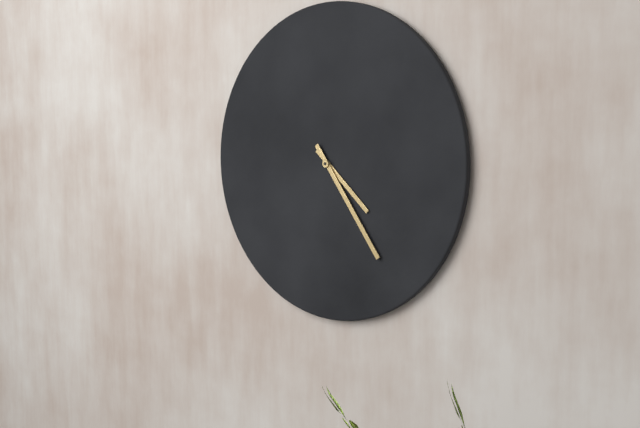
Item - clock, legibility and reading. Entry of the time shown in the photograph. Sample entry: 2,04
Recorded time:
4,24
